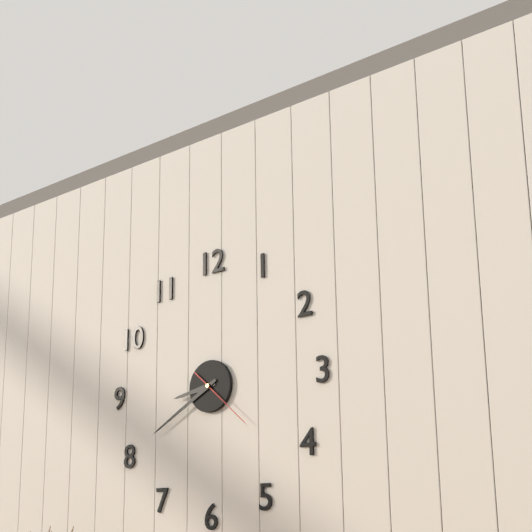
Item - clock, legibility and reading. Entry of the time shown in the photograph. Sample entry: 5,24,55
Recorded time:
8,40,22
